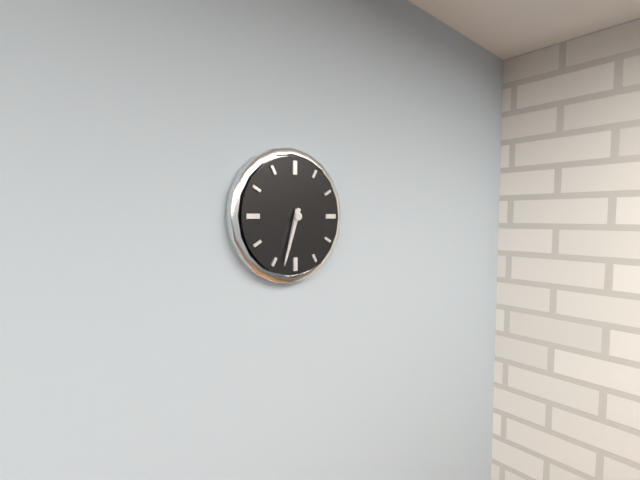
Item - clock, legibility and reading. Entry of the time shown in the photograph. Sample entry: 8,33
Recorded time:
6,33
